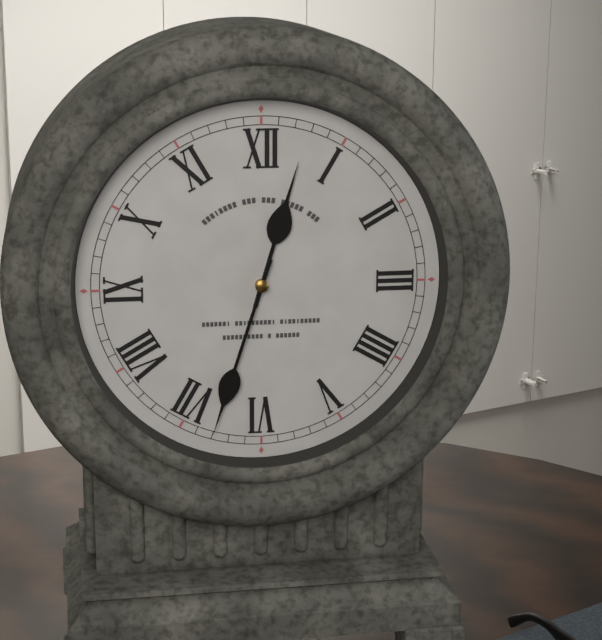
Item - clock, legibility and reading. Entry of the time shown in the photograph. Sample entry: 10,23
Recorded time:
12,33
